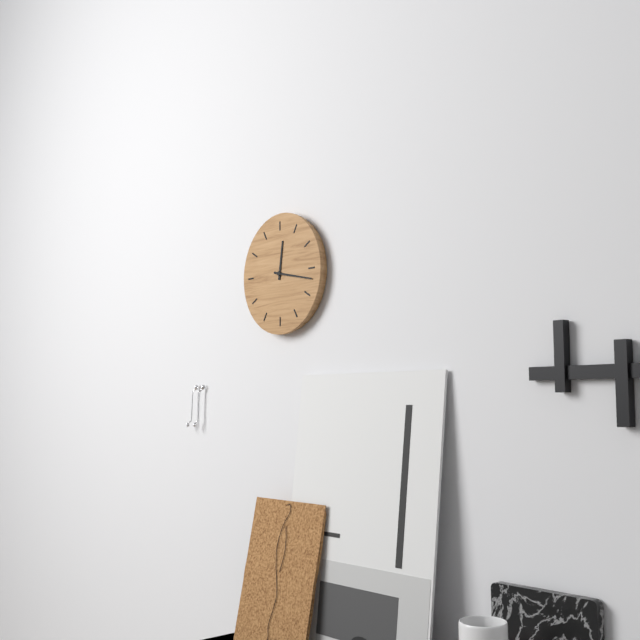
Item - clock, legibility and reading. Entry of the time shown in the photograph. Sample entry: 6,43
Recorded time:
12,17
